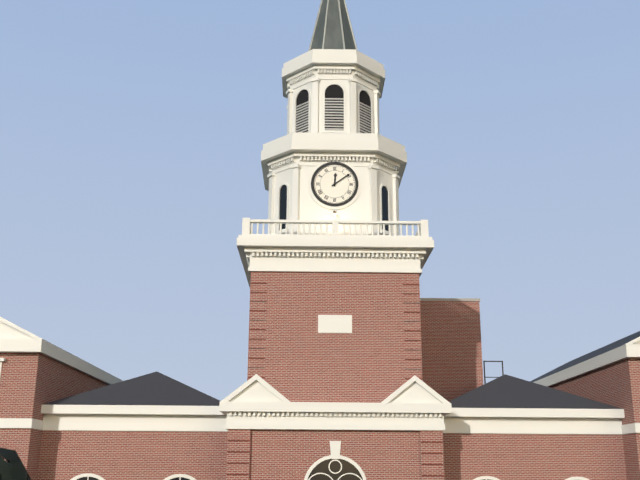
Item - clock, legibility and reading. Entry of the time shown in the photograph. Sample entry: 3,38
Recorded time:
12,09
